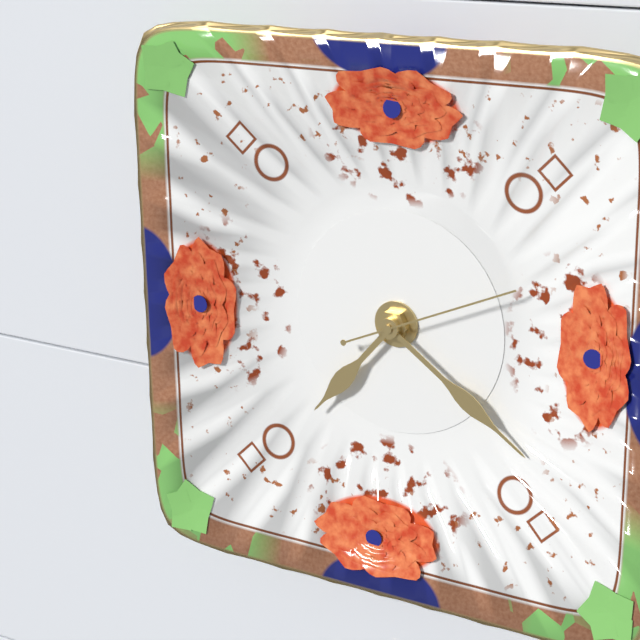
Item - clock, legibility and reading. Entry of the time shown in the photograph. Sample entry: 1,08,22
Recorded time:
7,21,11
